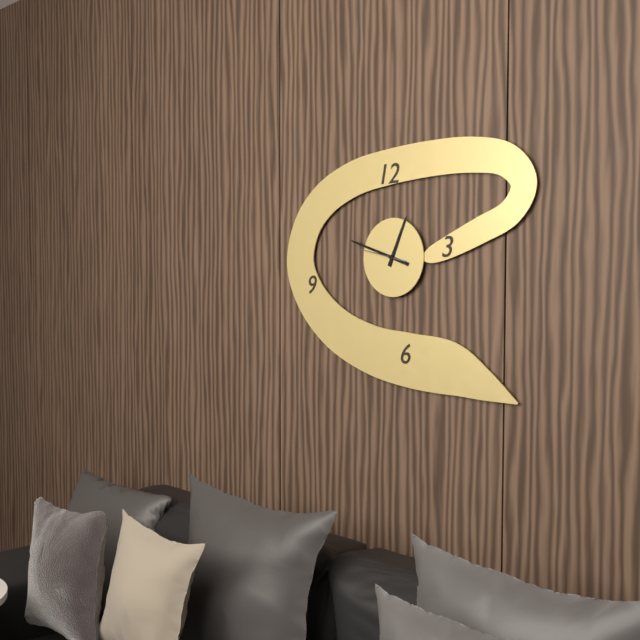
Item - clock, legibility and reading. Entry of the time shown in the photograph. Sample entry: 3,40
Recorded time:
12,48
